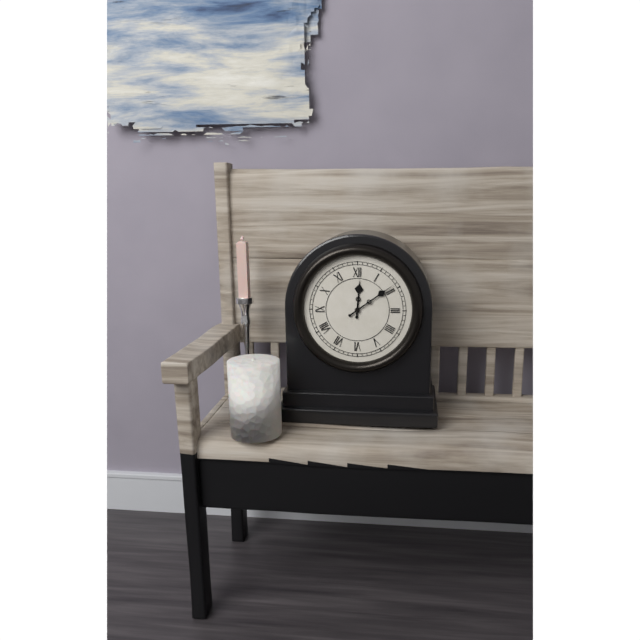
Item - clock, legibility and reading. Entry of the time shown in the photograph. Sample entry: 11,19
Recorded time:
12,09
